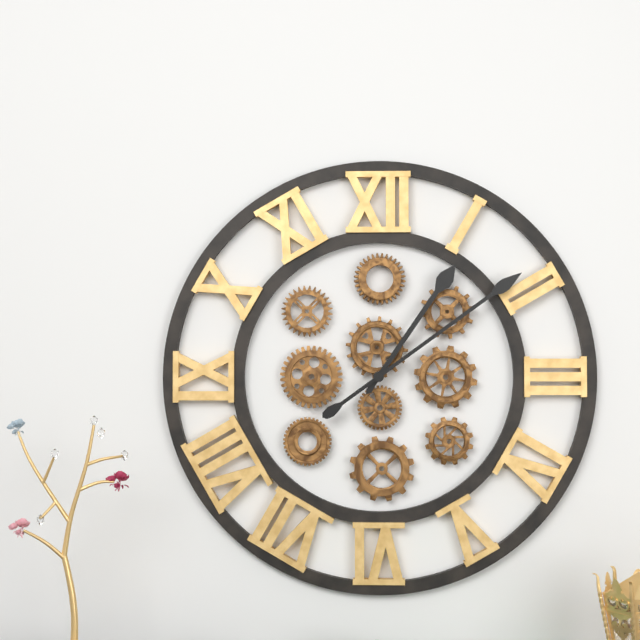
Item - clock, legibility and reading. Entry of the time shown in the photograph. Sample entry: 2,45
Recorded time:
1,09
